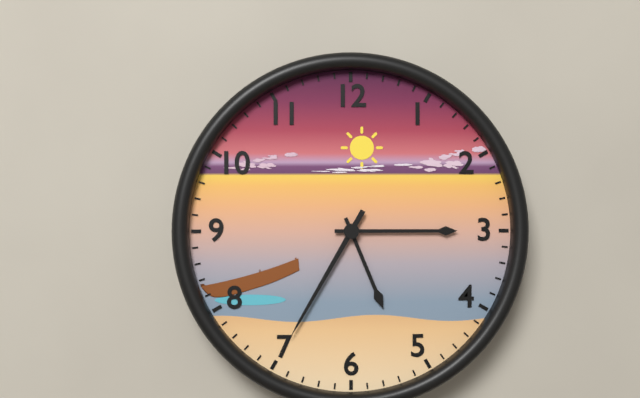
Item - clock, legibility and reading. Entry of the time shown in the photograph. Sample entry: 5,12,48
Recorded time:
5,15,35
